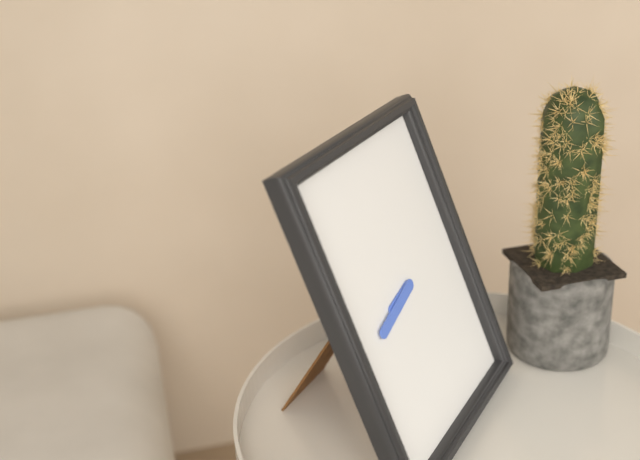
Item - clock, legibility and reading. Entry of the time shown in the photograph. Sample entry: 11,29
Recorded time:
8,43
